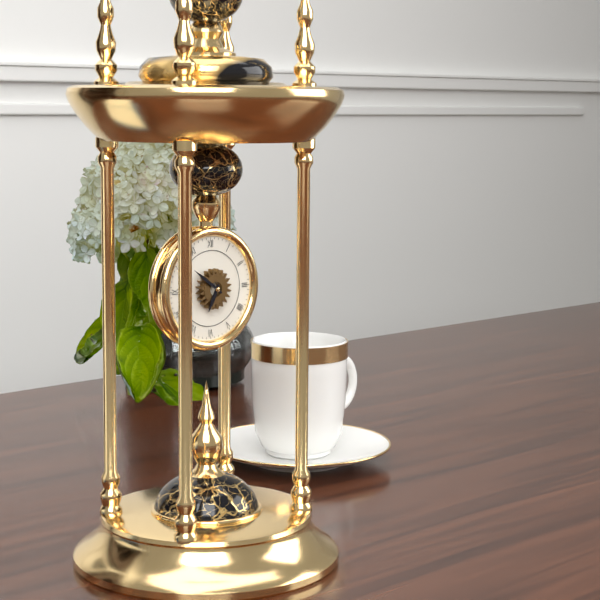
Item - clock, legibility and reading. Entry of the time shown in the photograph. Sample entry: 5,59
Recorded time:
6,51
